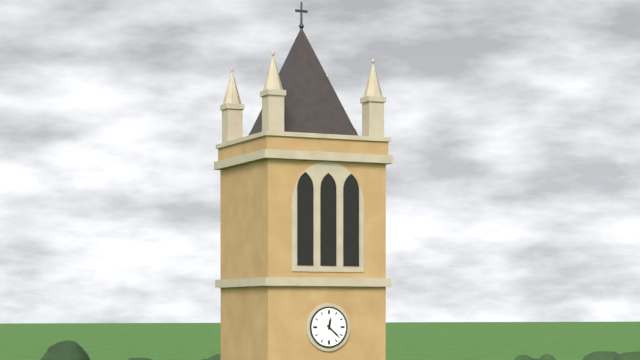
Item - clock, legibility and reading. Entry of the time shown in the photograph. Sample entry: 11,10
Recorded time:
12,22
